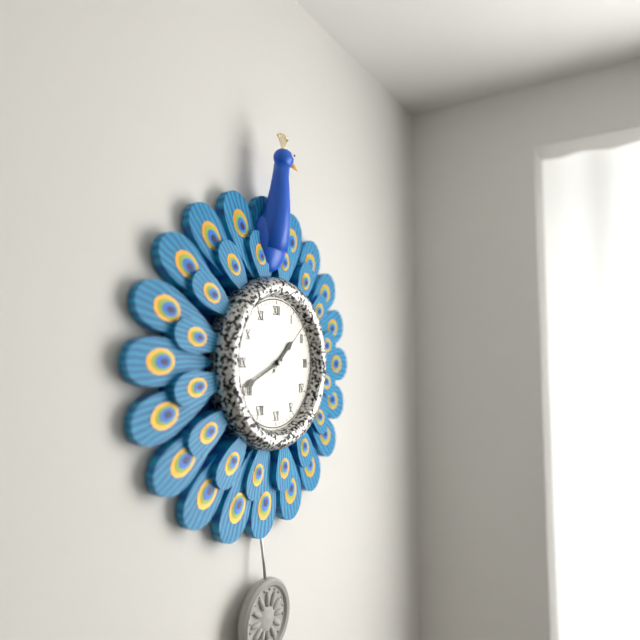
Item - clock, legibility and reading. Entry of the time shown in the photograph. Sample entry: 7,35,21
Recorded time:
1,41,08
